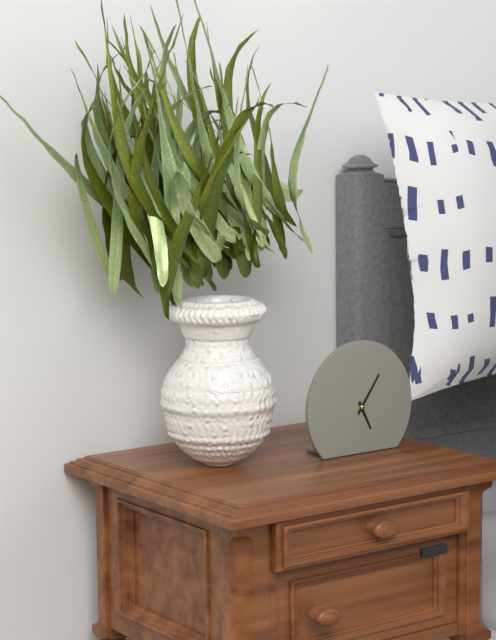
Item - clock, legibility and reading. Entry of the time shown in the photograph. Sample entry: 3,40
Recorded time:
5,06
